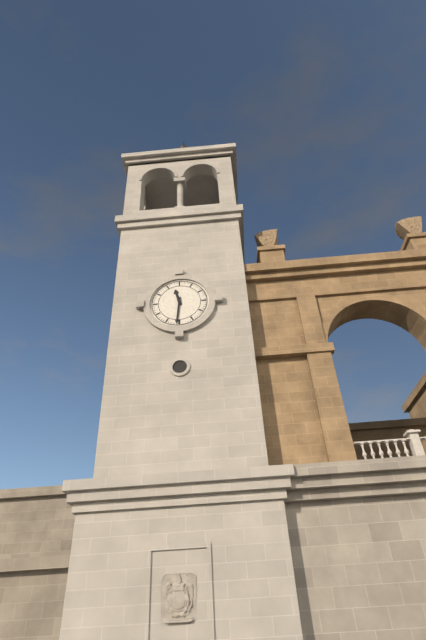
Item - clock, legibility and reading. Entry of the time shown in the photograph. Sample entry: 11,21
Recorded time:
11,31
